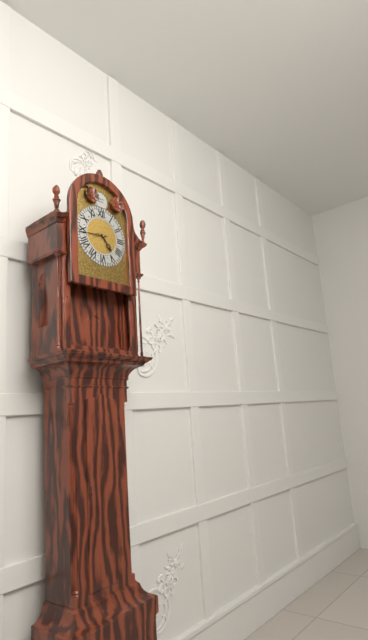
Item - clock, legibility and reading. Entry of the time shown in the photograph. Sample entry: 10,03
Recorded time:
4,44
